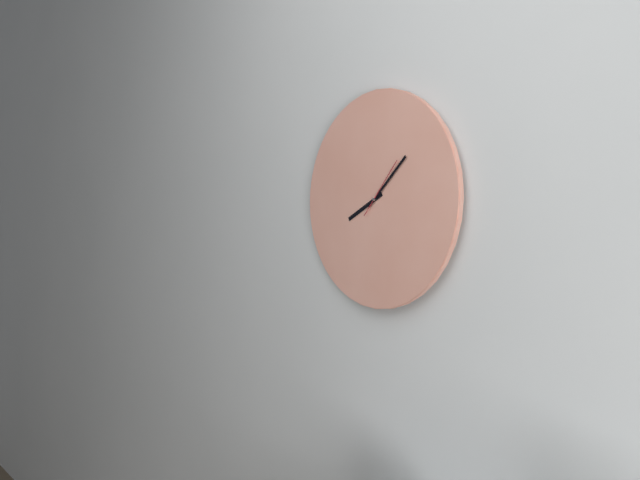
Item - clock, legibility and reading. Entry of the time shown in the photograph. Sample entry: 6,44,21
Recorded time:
8,08,07
